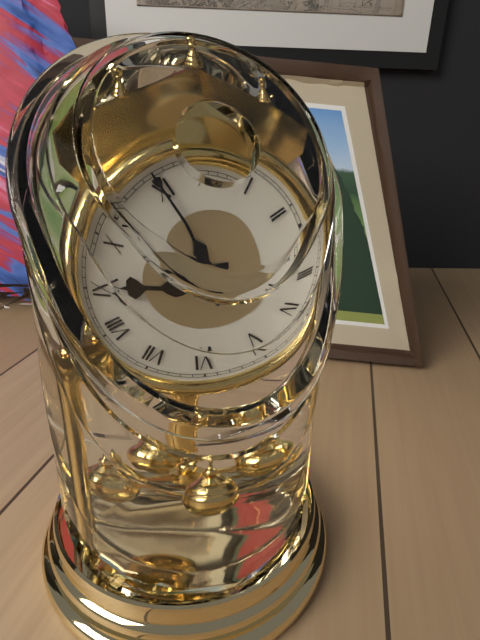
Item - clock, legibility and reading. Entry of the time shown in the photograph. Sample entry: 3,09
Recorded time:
8,55
